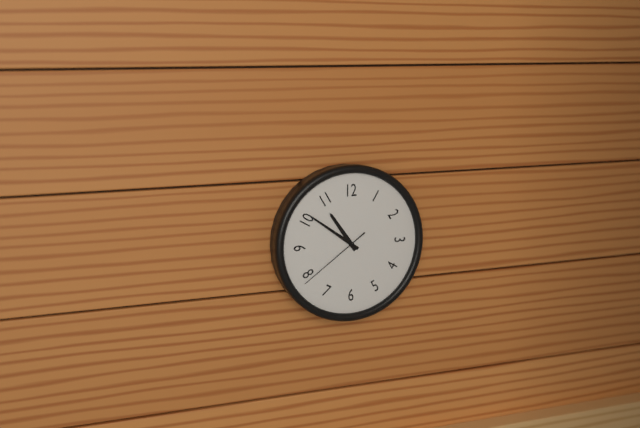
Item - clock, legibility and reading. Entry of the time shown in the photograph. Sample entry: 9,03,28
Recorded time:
10,51,39
